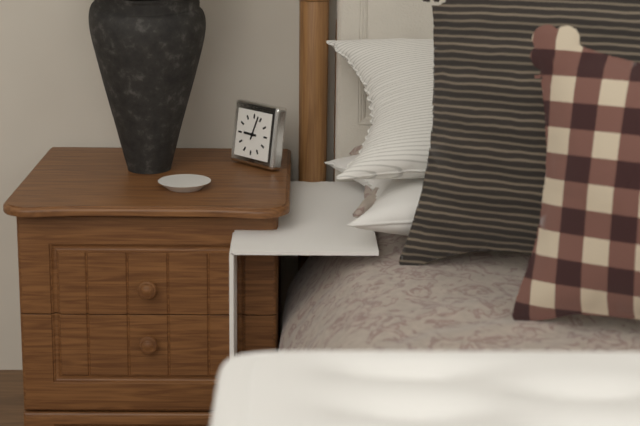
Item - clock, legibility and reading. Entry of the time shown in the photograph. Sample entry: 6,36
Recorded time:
9,03
